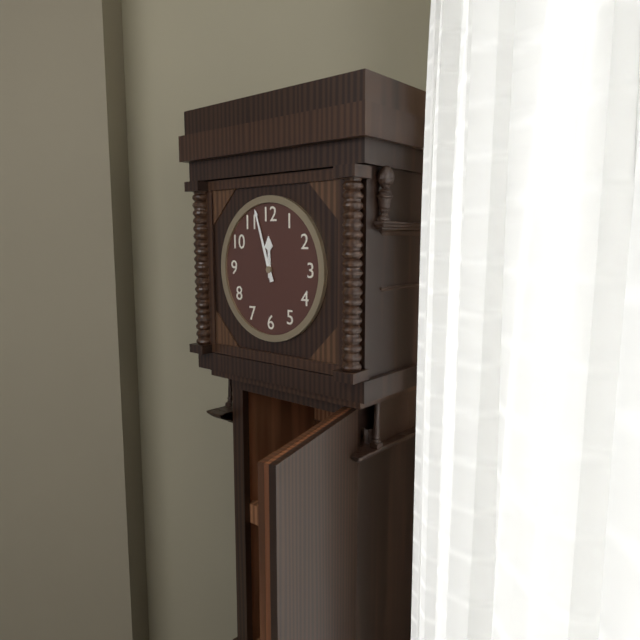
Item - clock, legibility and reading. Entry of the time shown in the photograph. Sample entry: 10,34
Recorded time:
11,57
